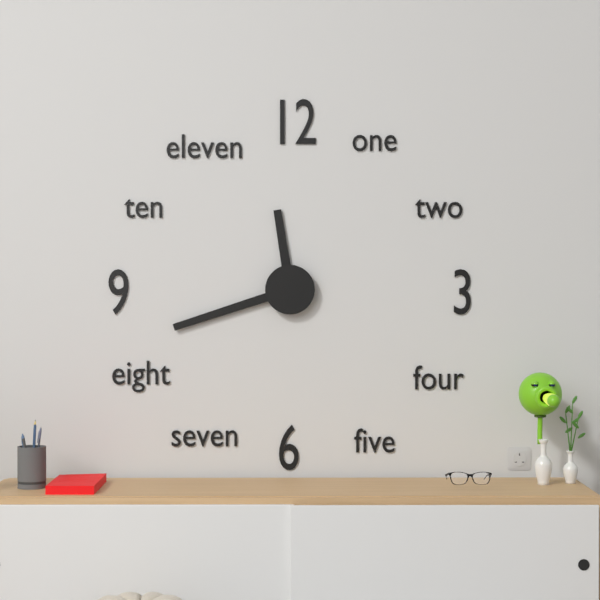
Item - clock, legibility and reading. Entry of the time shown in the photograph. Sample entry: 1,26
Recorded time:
11,42
